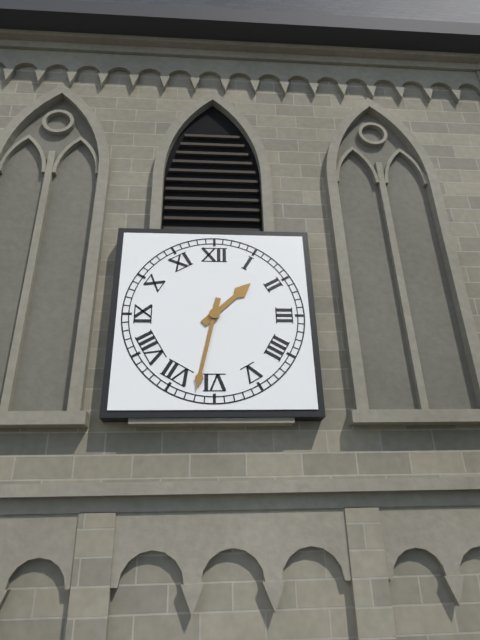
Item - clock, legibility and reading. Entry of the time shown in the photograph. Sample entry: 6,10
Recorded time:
1,32
